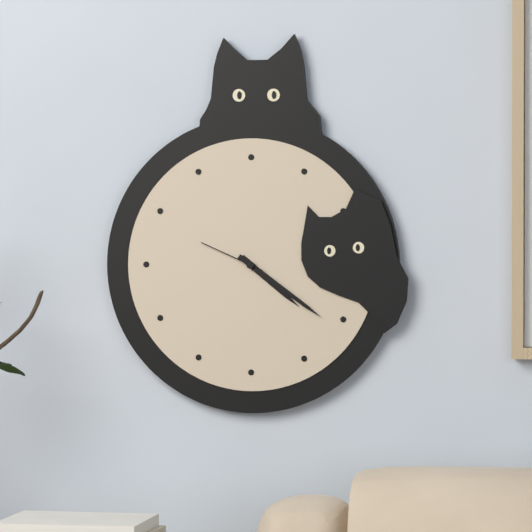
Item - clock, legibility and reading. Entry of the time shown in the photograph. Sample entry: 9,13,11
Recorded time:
4,21,49
